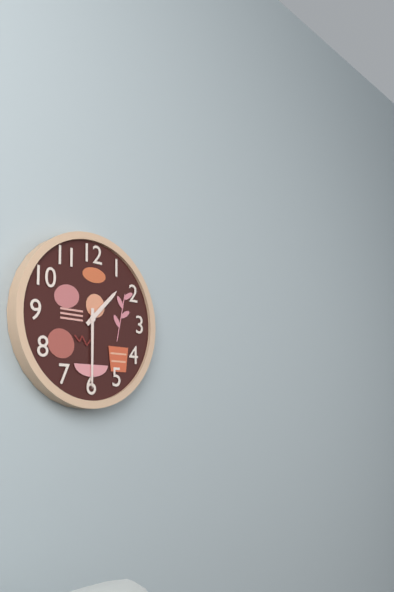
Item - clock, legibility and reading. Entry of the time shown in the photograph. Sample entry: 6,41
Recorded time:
1,30
